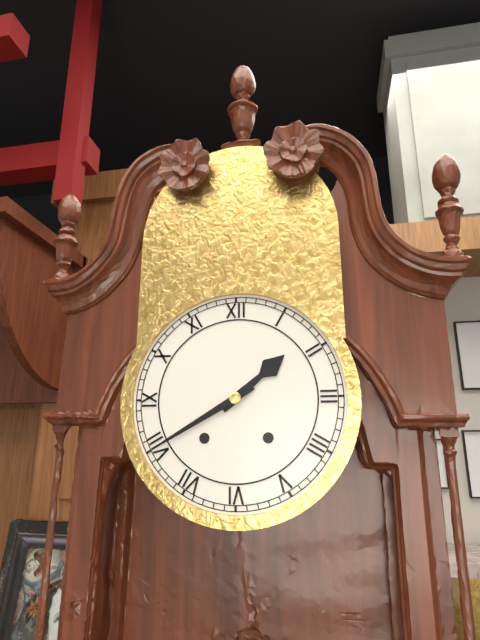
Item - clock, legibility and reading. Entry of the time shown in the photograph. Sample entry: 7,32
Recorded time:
1,40
